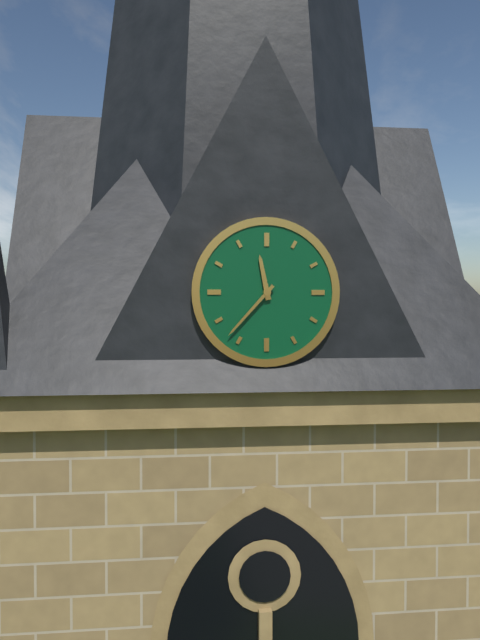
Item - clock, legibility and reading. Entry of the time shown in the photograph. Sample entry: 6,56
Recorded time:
11,37
